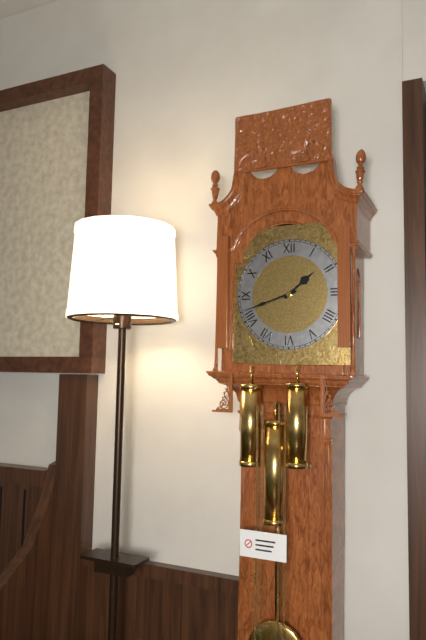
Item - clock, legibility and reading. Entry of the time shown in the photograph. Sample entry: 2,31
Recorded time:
1,42
